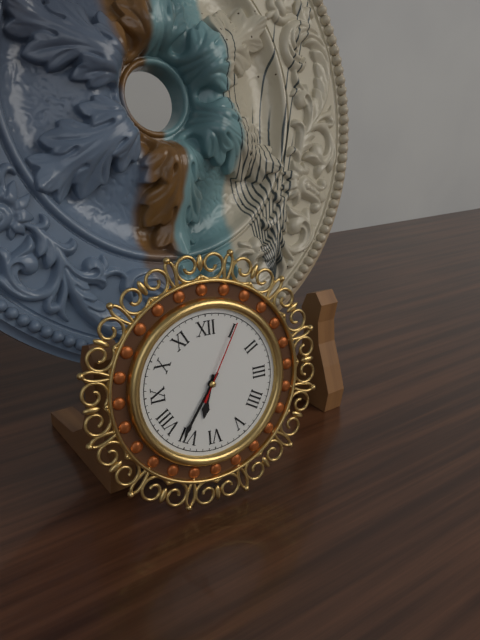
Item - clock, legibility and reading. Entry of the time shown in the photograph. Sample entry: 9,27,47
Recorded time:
6,36,05
